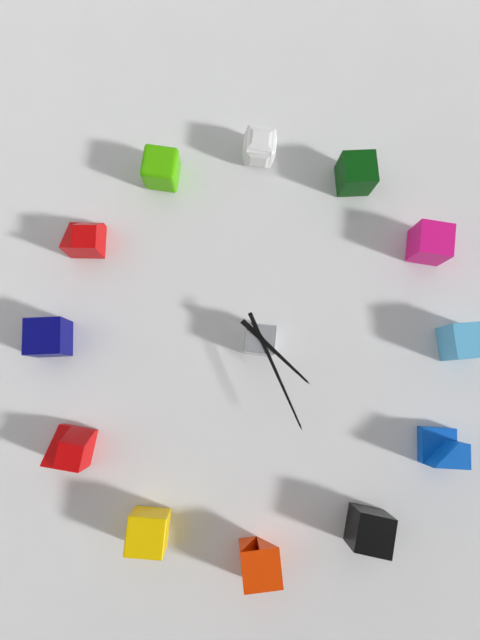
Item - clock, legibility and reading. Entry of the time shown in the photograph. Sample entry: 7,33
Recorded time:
4,26
